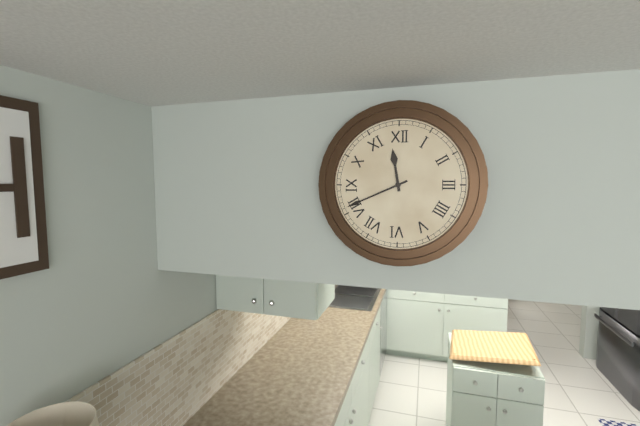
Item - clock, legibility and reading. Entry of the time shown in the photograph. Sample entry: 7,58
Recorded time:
11,41
